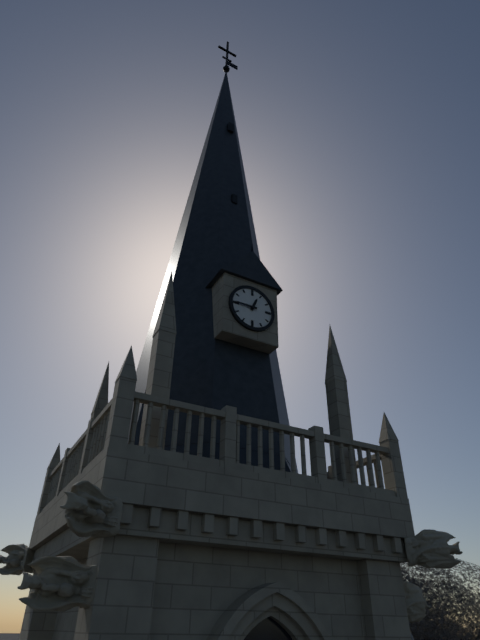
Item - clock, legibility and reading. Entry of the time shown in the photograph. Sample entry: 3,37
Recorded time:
12,45
